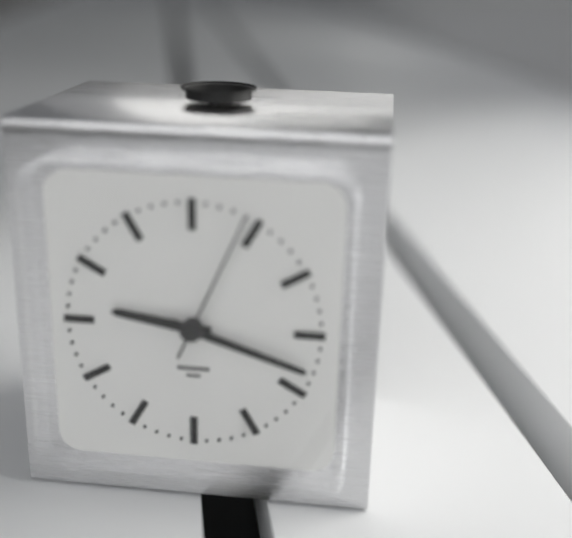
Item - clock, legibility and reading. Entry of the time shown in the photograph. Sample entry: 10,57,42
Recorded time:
9,18,04
